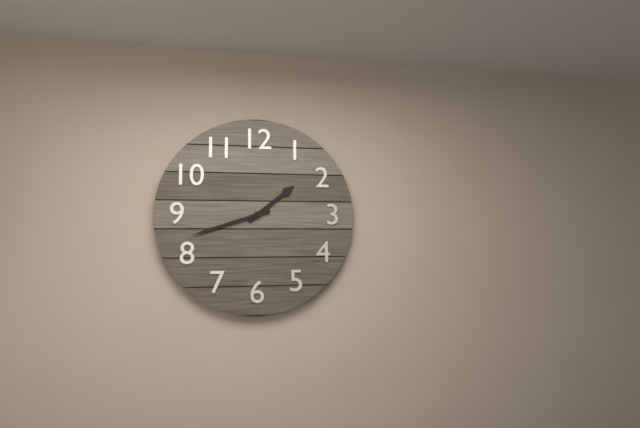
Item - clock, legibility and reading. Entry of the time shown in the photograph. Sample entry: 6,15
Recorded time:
1,42
